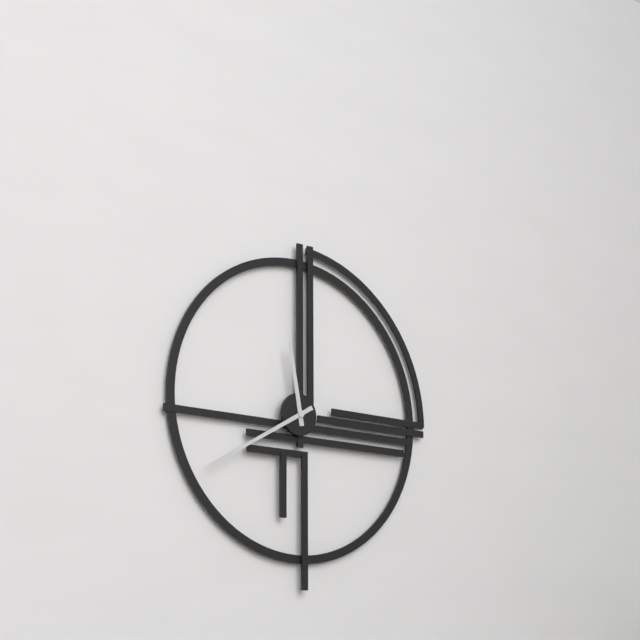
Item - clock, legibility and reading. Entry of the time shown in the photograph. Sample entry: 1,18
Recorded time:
11,40
